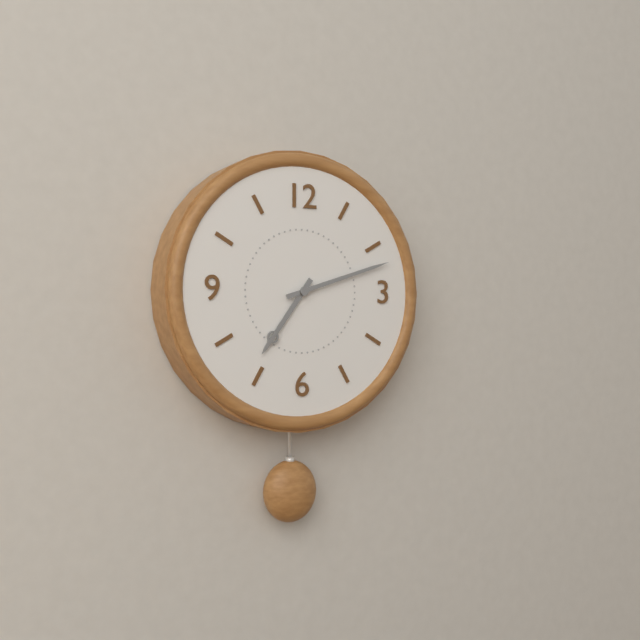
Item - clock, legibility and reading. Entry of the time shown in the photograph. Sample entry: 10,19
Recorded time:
7,12
